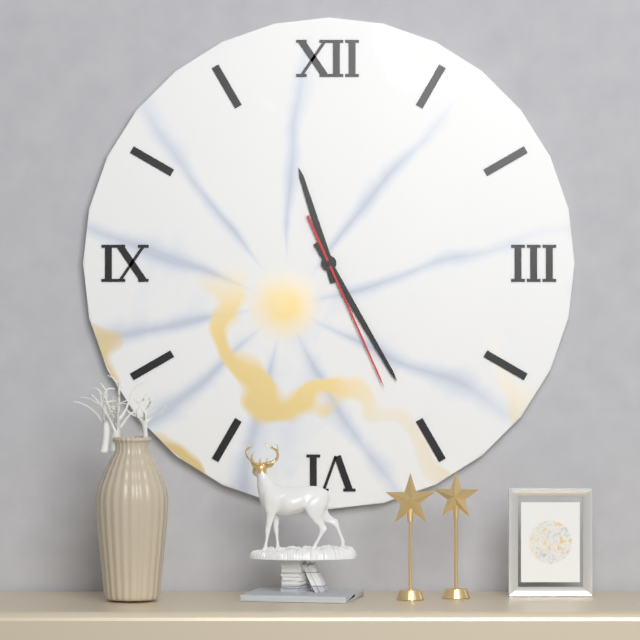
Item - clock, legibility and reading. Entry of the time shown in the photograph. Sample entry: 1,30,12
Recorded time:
11,25,26
